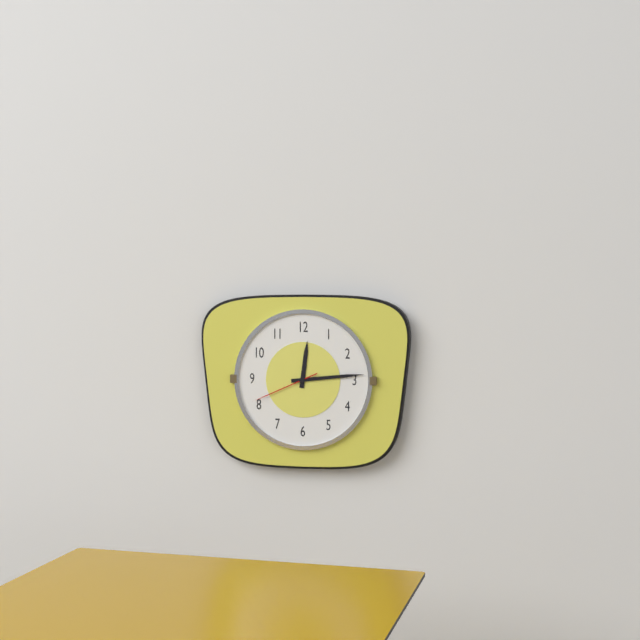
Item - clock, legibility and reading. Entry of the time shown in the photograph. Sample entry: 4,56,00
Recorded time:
12,14,41
